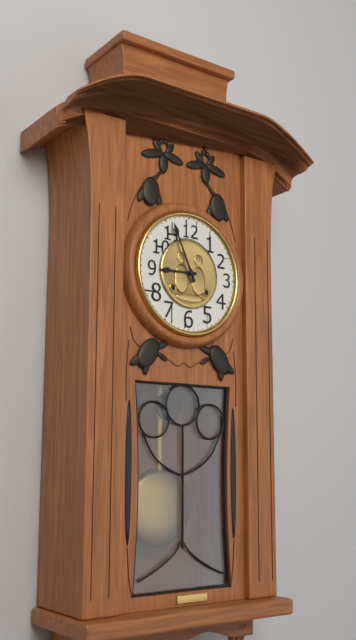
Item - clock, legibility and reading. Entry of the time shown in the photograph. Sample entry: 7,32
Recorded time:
8,56
